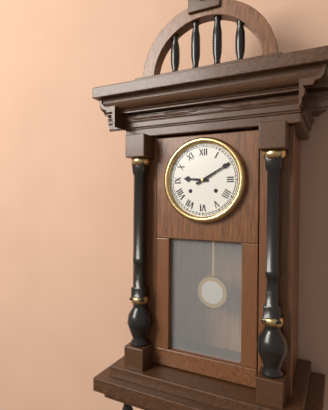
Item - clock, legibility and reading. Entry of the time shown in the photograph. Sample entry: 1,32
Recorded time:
9,10
